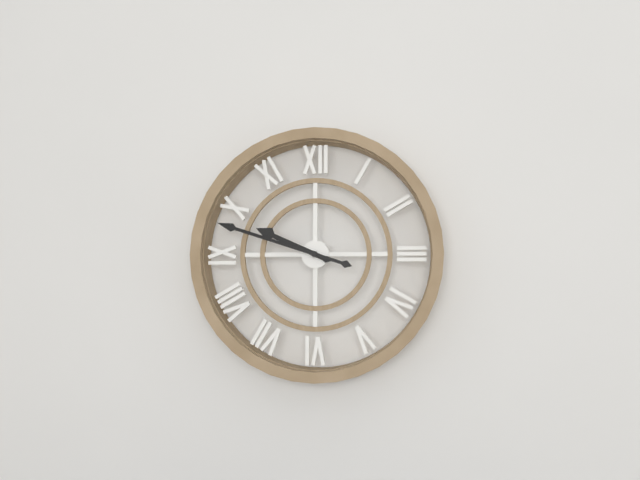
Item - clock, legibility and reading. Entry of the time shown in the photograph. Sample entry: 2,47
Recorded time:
9,48
